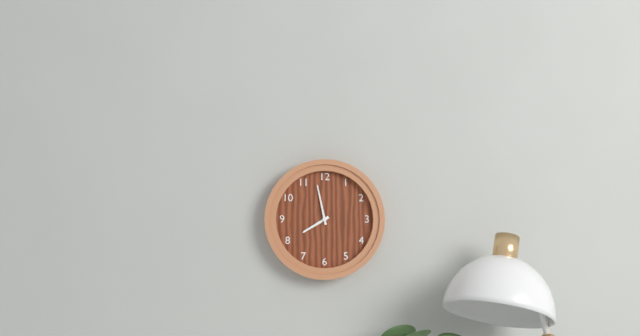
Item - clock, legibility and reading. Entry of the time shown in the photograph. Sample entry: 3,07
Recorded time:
7,58
